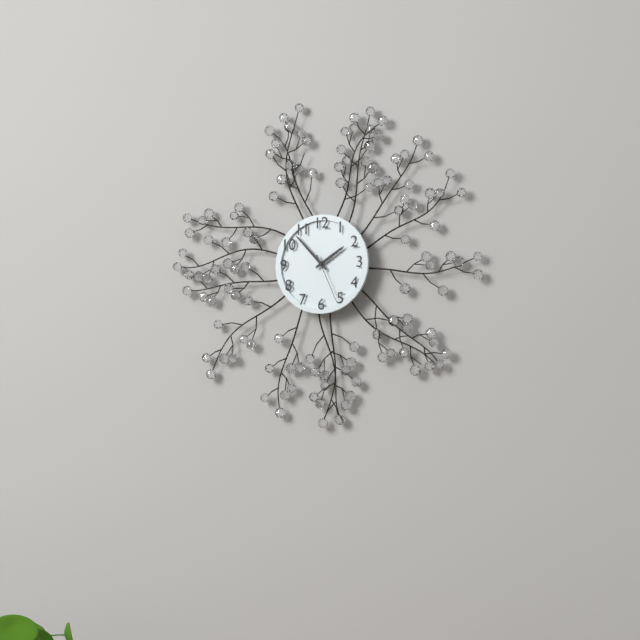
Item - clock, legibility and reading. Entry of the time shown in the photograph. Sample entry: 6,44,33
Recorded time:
1,53,26
